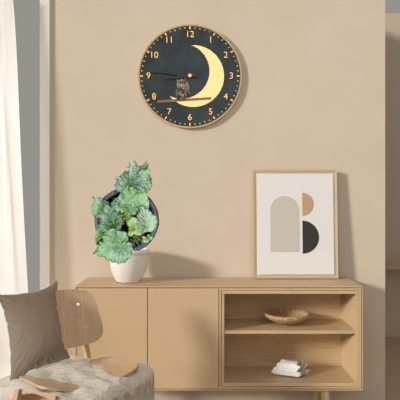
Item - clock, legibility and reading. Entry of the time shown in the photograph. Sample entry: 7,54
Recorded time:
8,46
